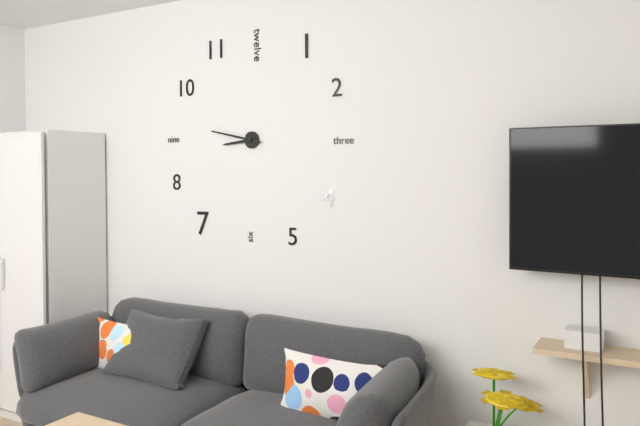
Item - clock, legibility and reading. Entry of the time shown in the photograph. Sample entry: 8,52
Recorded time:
8,47
